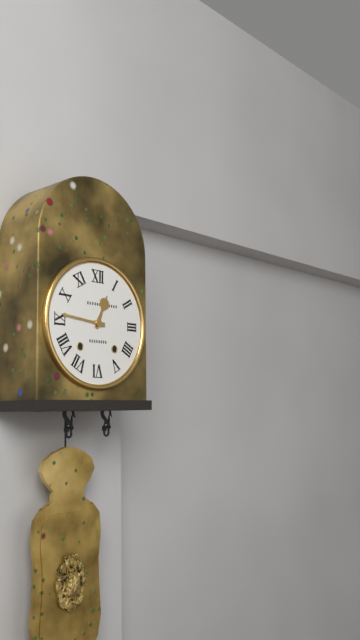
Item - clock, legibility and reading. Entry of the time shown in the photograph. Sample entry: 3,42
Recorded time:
12,46
